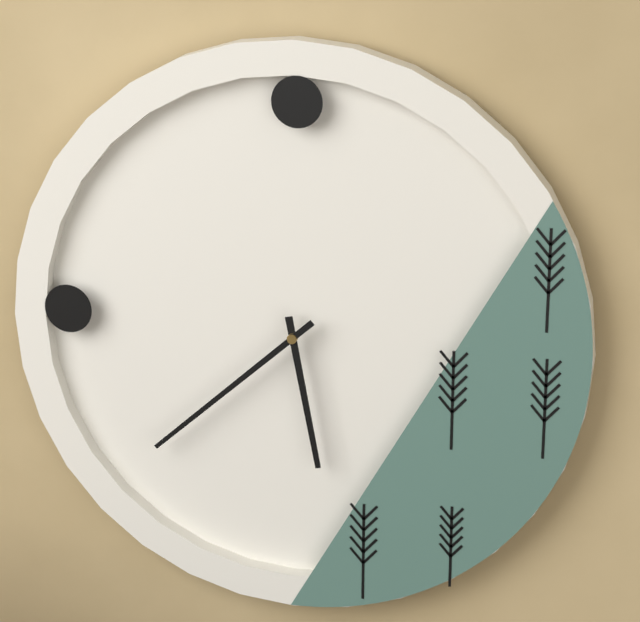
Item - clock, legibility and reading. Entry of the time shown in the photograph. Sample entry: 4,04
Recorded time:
5,38
